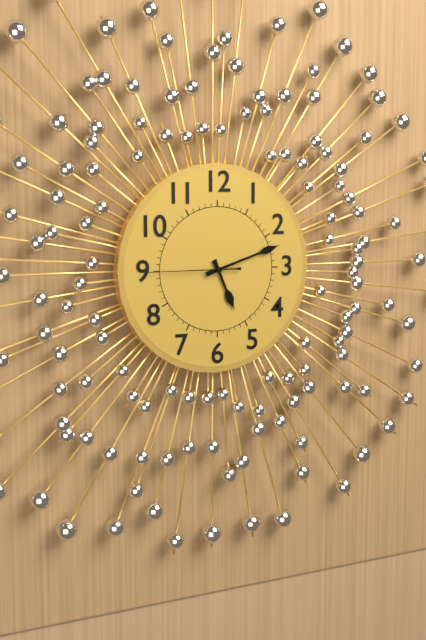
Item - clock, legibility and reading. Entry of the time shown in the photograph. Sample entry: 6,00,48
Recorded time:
5,12,45
